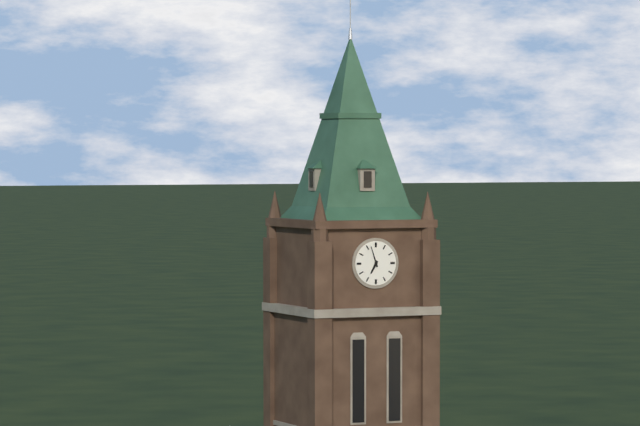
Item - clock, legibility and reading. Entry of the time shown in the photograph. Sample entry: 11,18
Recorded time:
6,57
